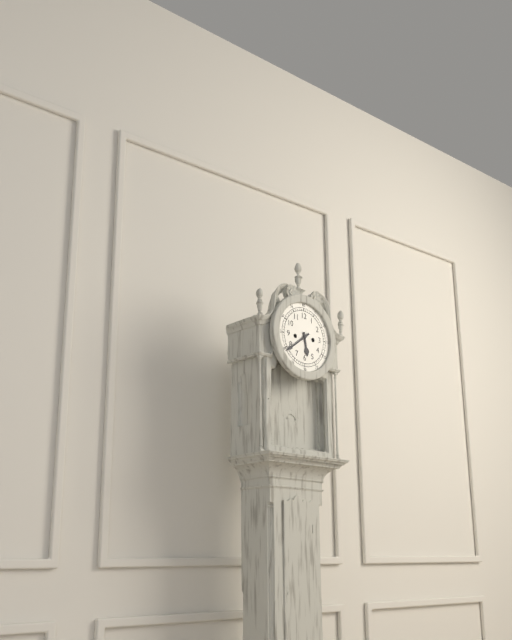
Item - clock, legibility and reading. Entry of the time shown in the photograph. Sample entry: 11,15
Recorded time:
5,39
